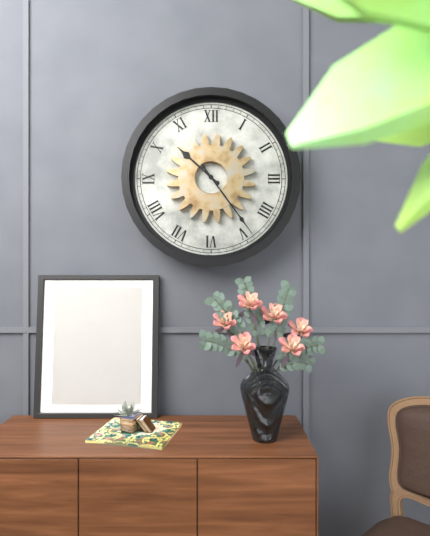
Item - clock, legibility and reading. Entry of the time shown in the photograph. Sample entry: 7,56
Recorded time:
10,24
